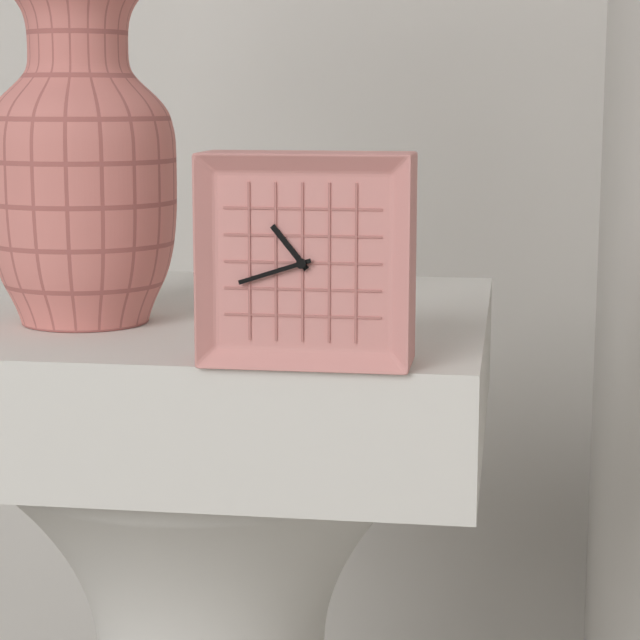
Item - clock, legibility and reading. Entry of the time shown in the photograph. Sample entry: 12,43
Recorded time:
10,42
